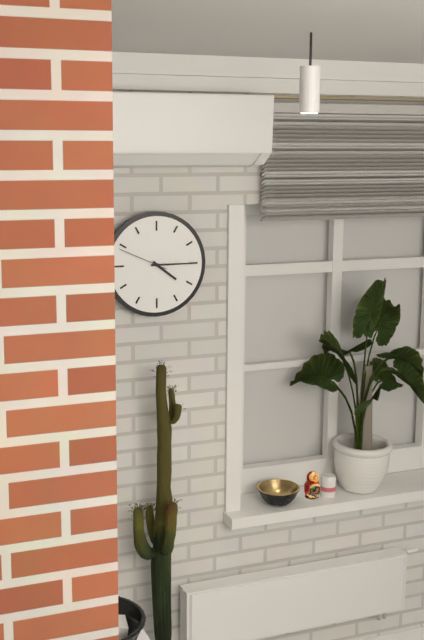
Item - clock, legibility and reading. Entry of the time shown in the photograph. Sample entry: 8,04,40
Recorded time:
4,15,49
